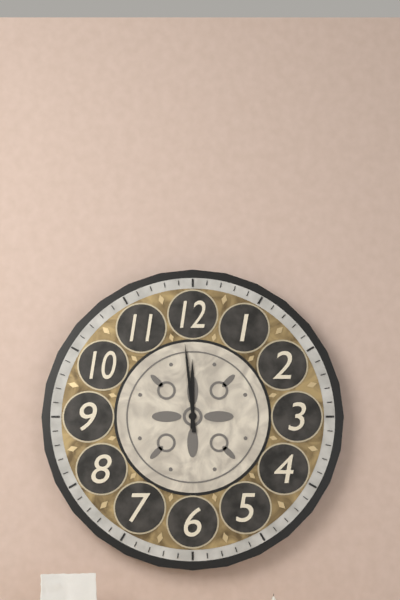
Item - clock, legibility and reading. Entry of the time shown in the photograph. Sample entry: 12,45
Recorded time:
11,59
